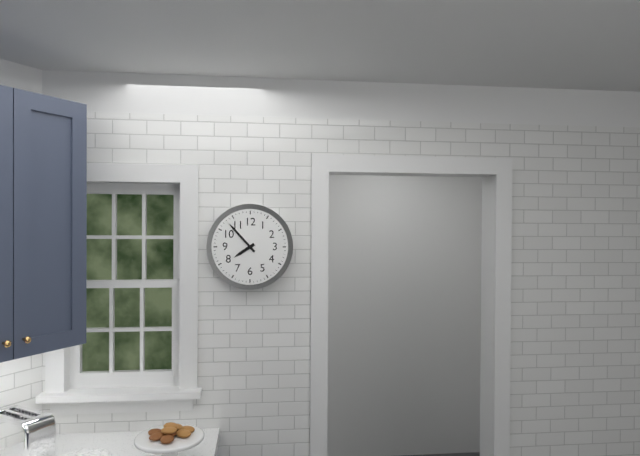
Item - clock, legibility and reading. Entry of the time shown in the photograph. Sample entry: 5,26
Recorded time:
7,53
